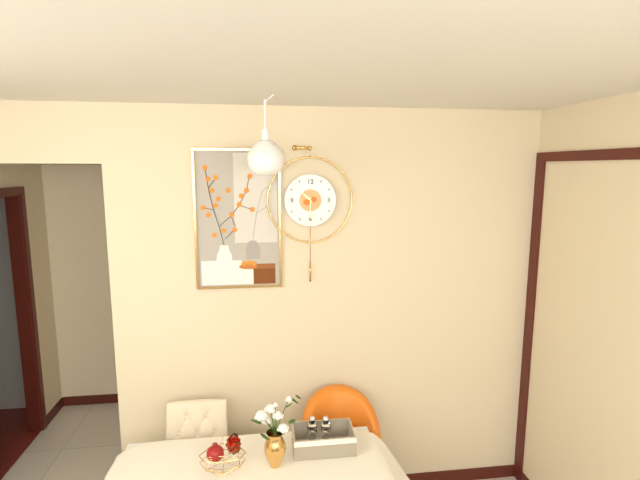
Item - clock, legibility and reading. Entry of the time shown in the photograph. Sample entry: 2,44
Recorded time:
10,30
